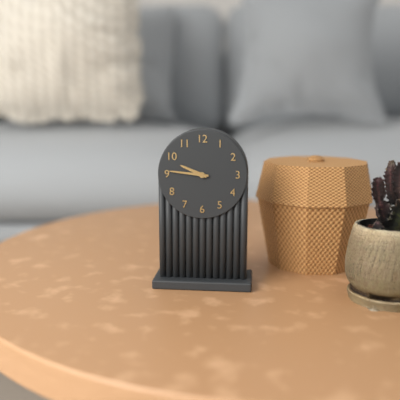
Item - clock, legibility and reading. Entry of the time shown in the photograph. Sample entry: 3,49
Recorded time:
9,46
